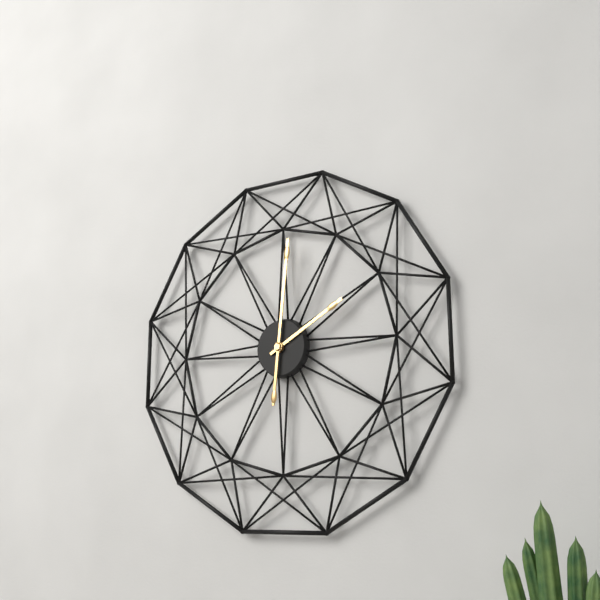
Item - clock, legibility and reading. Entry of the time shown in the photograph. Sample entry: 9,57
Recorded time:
2,01
